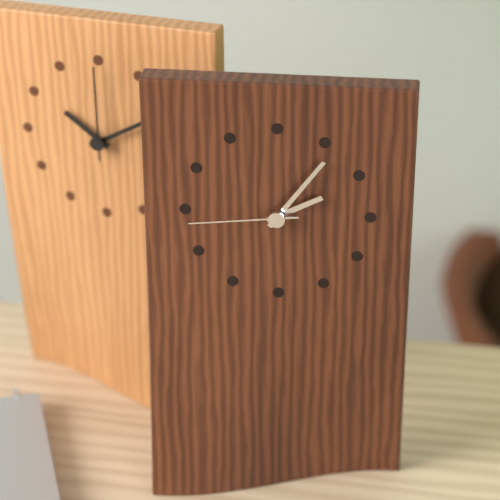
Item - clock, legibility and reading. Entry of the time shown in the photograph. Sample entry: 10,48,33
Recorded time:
2,06,44
